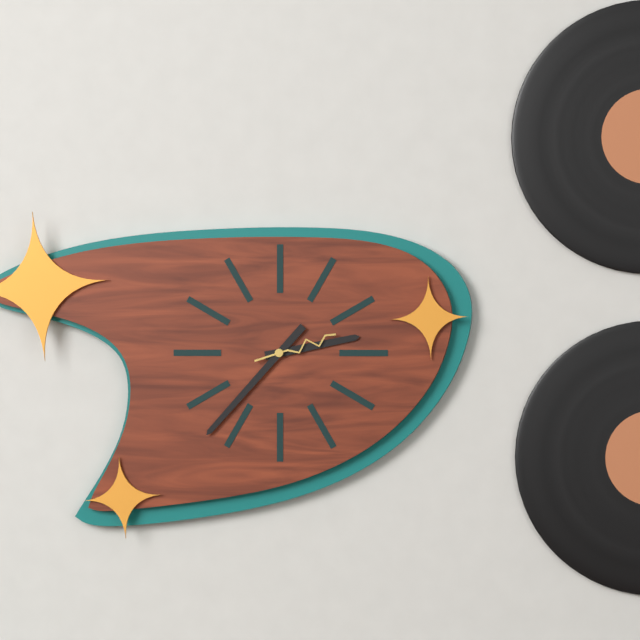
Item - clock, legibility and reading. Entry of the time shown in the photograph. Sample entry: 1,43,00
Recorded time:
2,37,12
